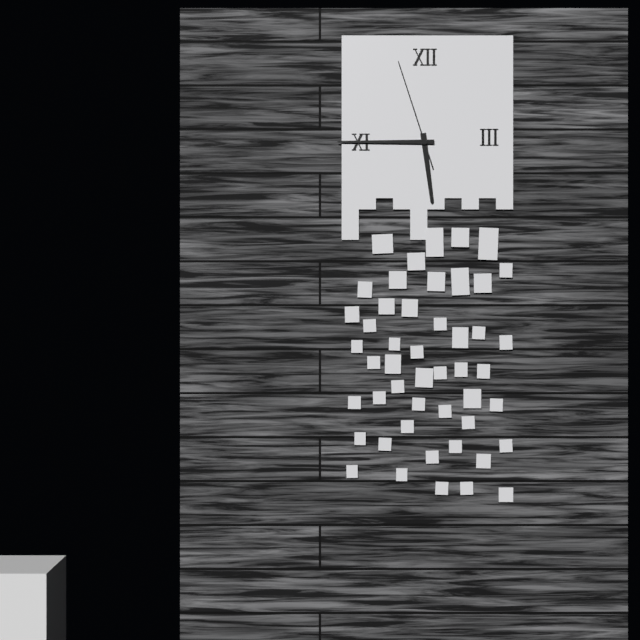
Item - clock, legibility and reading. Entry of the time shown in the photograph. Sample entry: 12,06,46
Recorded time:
5,45,57
